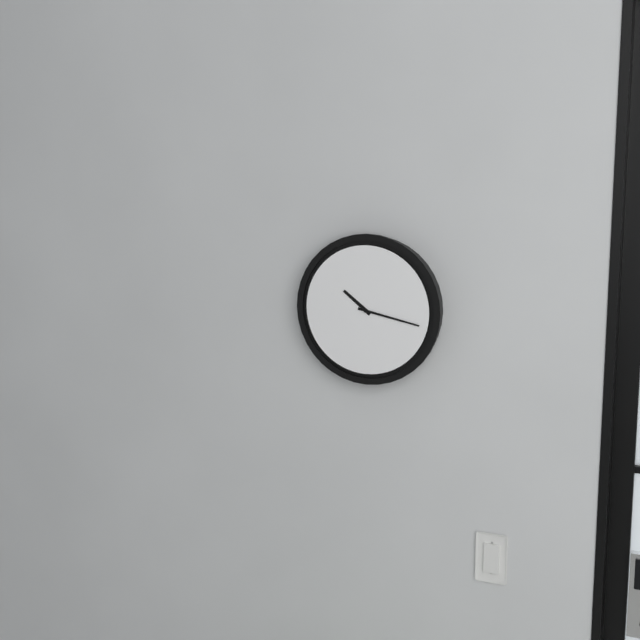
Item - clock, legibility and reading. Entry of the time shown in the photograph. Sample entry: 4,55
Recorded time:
10,17
